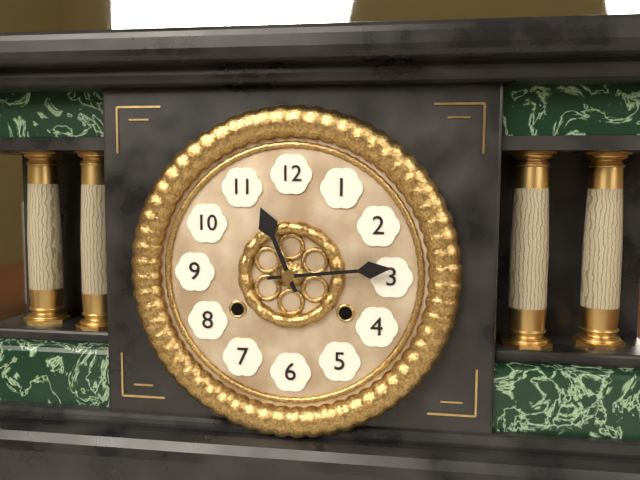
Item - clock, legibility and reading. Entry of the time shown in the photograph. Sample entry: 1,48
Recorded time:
11,14
